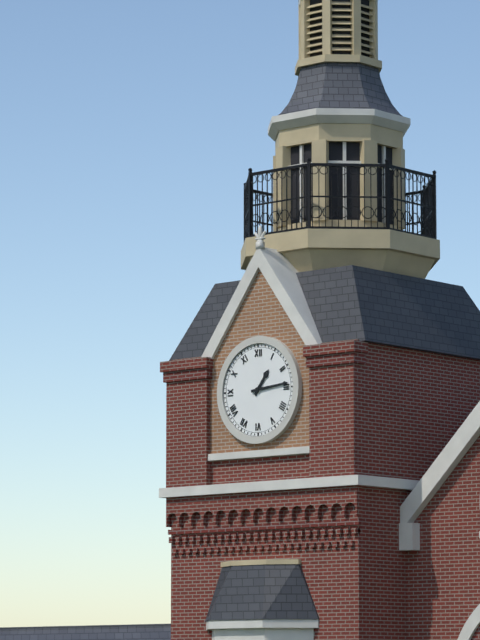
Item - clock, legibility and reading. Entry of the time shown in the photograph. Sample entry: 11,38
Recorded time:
1,14
